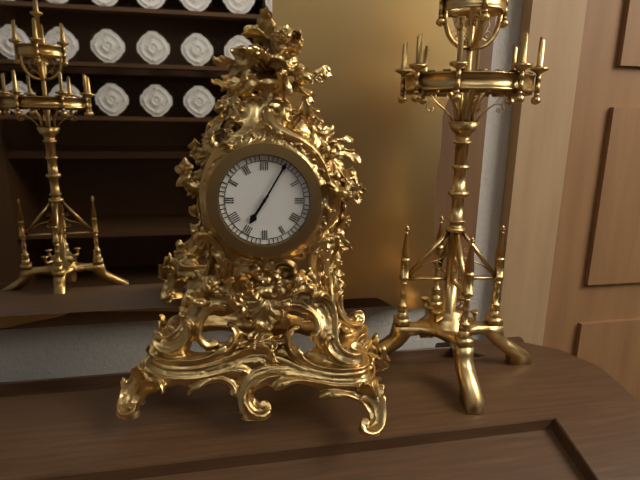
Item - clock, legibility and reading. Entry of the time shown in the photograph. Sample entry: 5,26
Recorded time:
7,05
